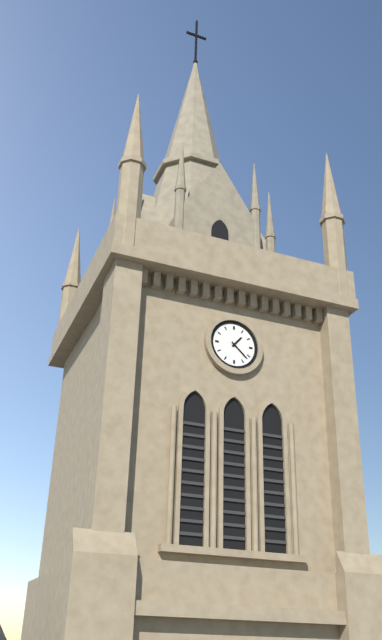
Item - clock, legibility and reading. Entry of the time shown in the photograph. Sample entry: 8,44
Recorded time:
1,22
